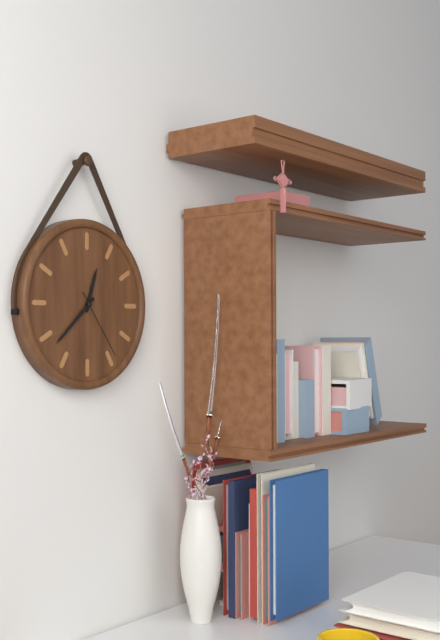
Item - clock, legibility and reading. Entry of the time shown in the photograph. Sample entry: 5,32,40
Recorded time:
12,38,24
